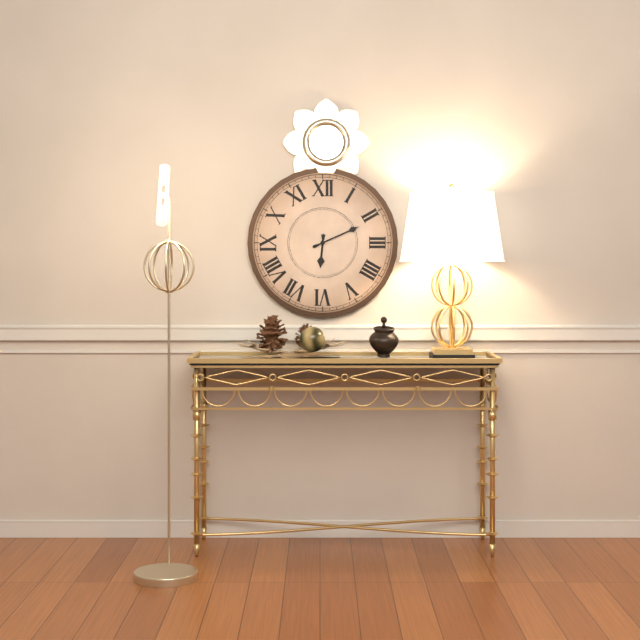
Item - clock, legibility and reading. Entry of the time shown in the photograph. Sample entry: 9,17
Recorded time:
6,11
